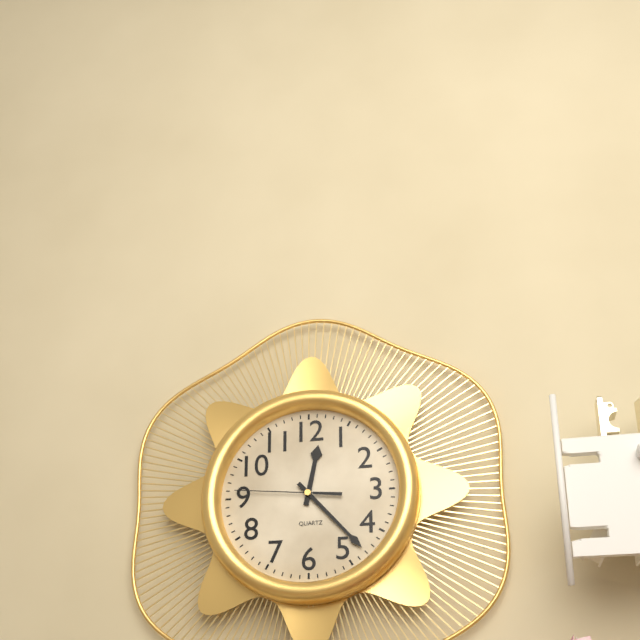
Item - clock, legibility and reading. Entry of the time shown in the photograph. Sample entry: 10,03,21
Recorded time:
12,23,46
